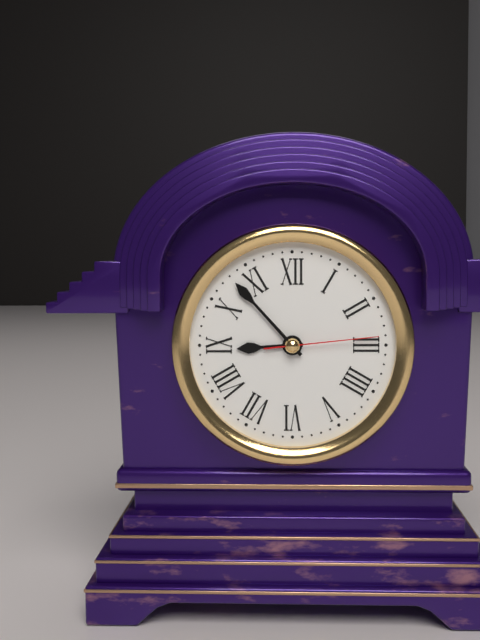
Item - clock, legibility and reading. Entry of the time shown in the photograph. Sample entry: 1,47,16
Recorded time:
8,53,14
